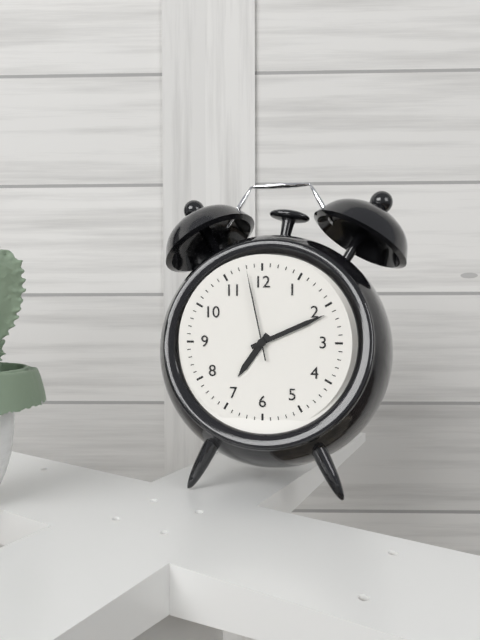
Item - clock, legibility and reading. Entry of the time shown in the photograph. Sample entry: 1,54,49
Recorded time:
7,11,58
